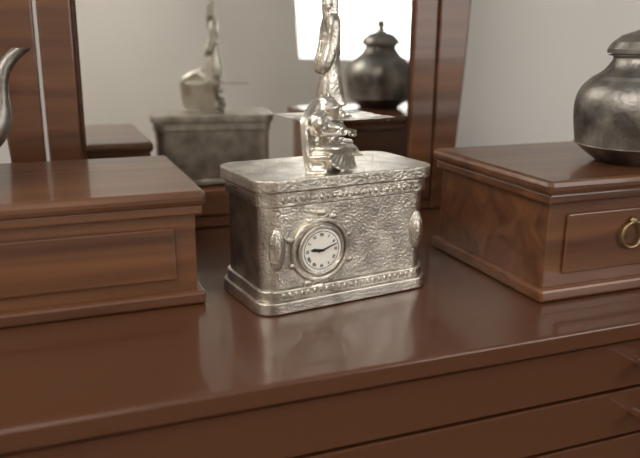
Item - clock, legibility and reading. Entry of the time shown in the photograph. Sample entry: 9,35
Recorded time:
9,12
